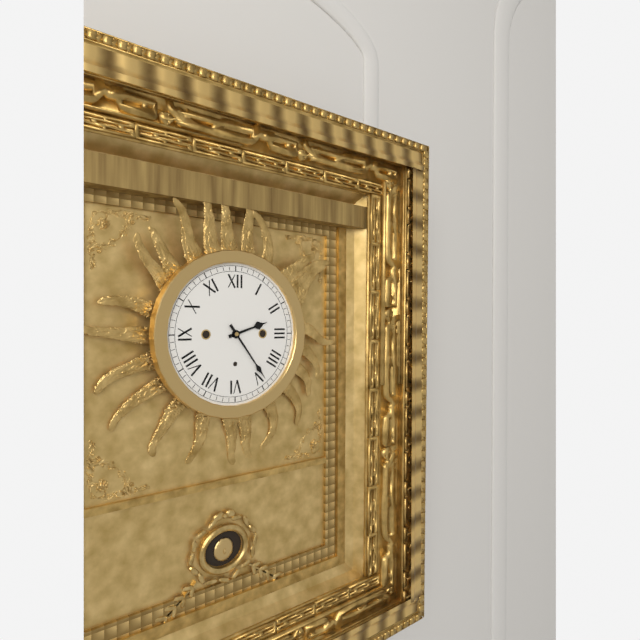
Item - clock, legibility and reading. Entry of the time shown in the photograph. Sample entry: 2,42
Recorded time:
2,24
